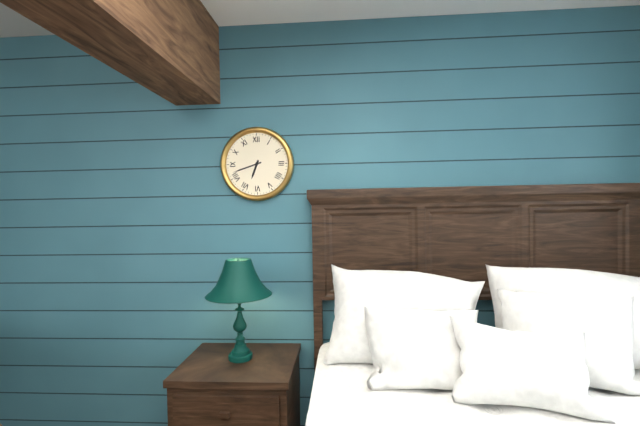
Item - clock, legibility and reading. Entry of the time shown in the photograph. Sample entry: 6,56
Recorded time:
6,42
